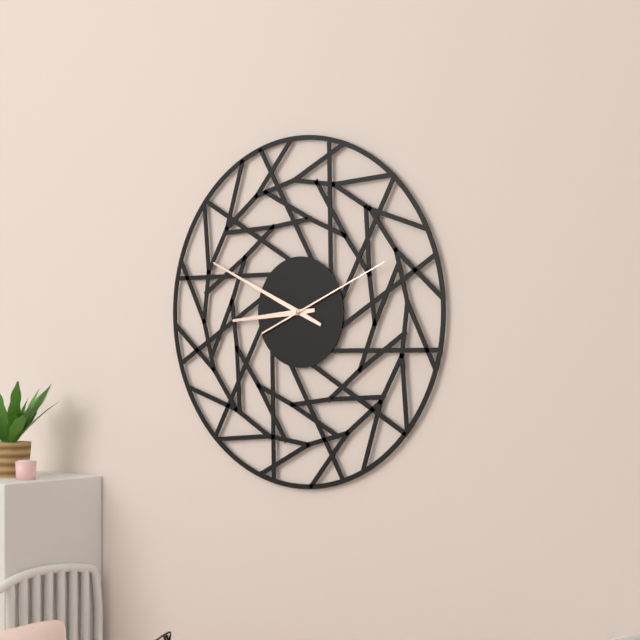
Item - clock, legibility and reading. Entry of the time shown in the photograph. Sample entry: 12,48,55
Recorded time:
8,49,11
